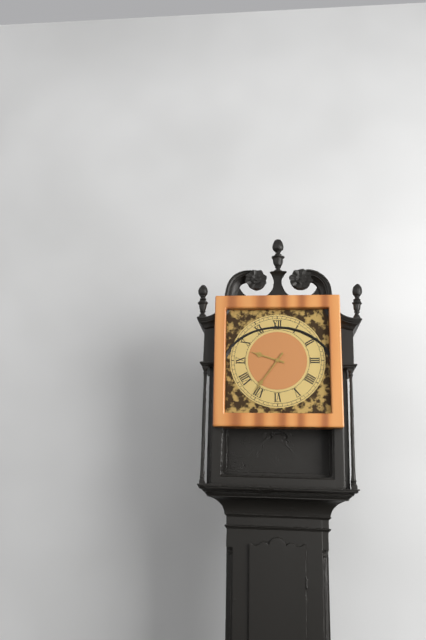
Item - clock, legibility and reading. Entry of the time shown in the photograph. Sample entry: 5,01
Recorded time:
9,36
